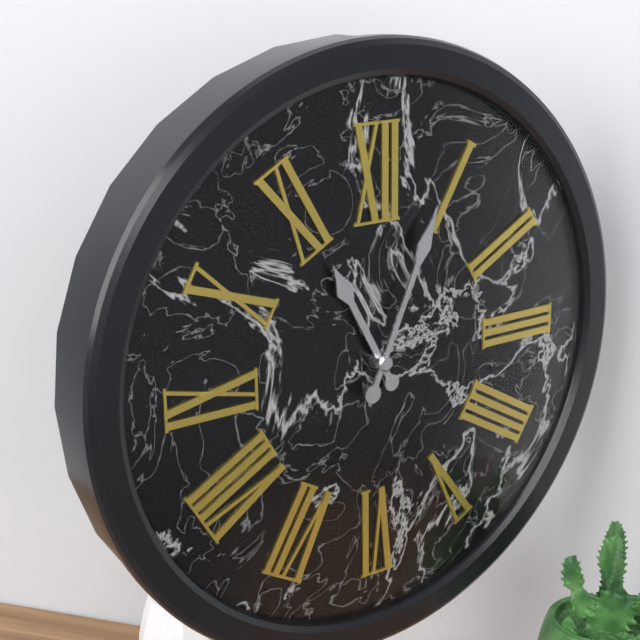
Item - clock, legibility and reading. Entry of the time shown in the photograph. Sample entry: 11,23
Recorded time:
11,04
